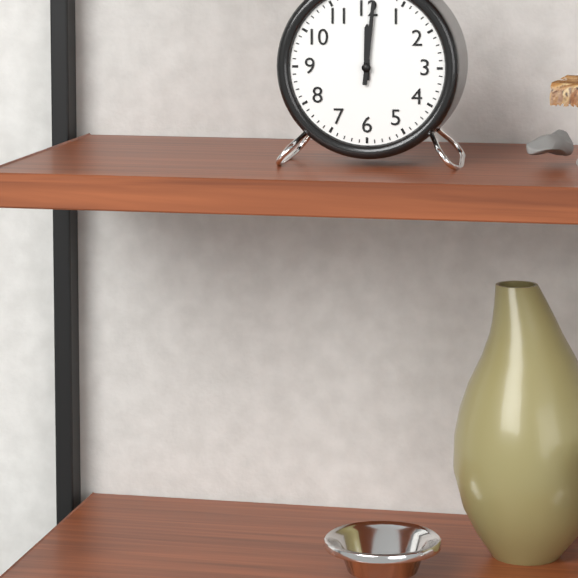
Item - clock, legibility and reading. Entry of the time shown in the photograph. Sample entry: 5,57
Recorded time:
12,01
